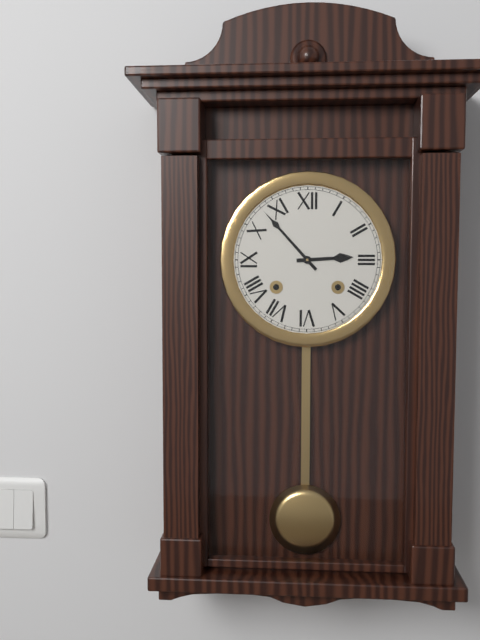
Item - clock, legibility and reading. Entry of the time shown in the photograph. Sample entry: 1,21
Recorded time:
2,53
